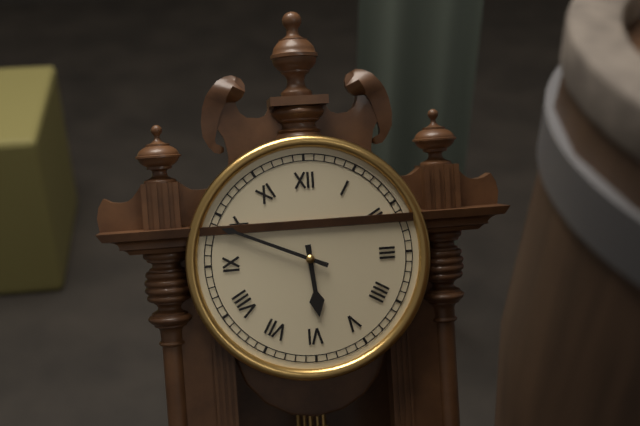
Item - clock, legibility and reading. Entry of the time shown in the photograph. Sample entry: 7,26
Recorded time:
5,49
